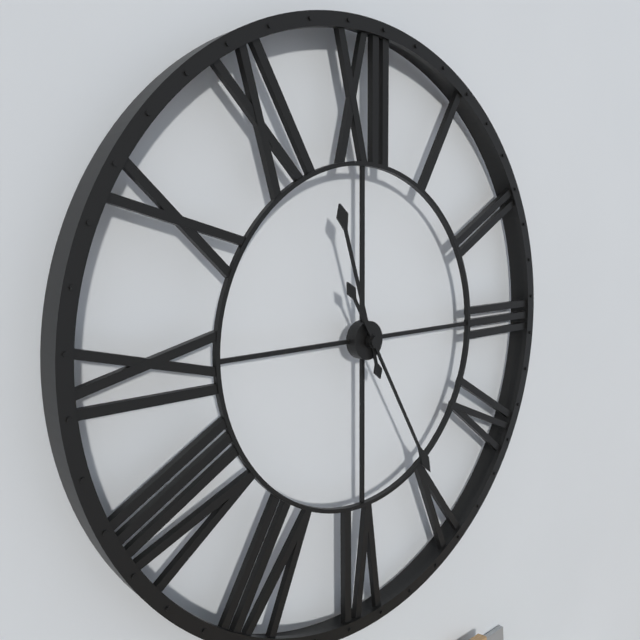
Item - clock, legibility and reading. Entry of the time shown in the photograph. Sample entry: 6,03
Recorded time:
11,25
